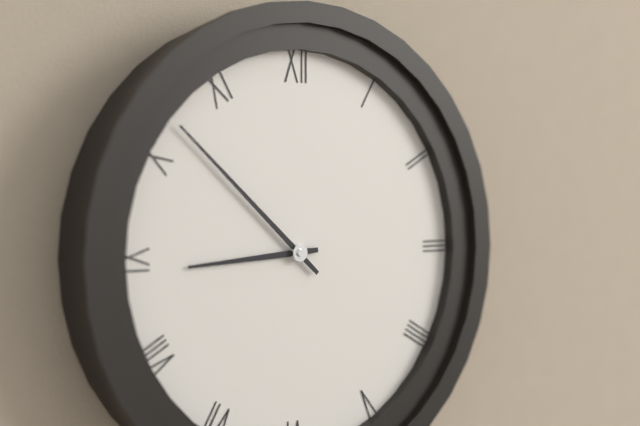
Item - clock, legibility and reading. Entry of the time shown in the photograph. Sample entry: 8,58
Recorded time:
8,52
